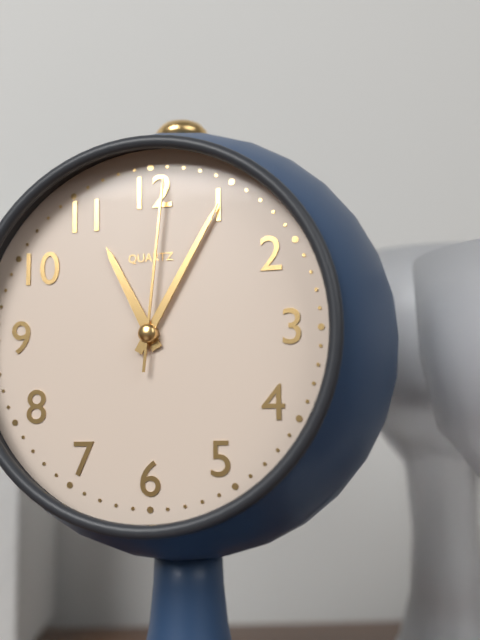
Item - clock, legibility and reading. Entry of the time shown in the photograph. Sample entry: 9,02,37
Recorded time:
11,05,01
